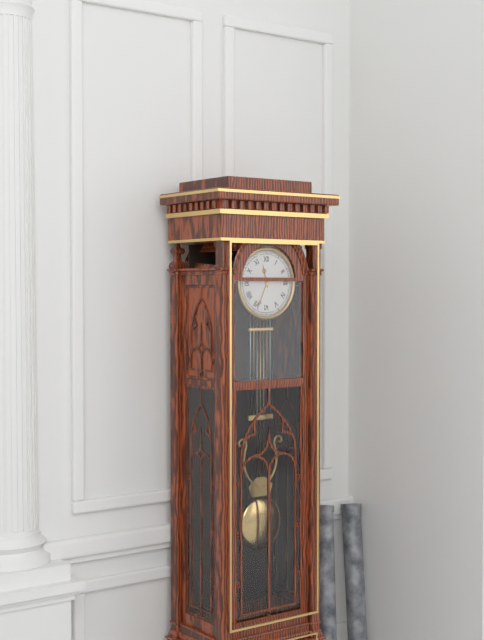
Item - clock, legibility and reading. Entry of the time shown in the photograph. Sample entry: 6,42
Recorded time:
11,34
